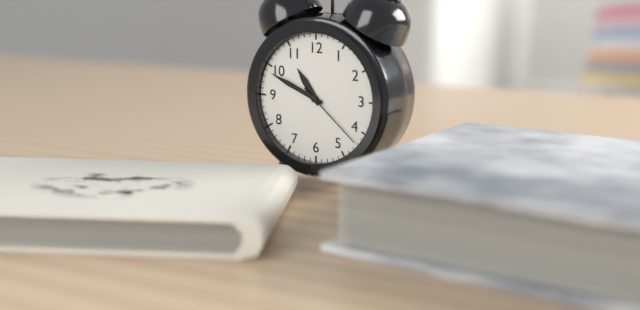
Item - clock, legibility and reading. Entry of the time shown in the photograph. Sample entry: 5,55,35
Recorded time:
10,49,22
